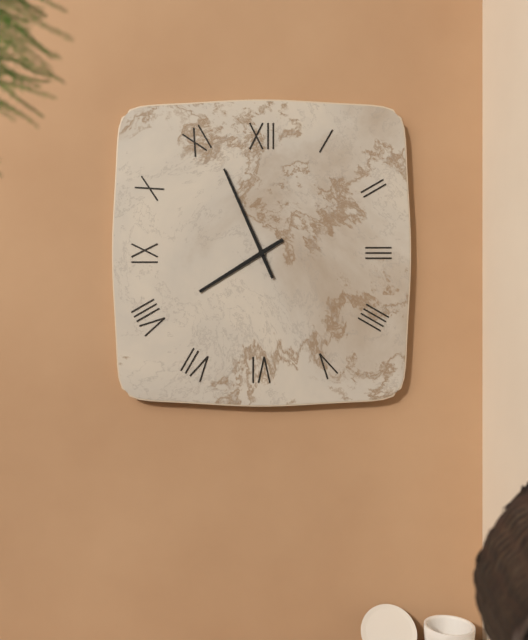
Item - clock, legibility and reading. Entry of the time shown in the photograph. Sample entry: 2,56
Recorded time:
7,56
